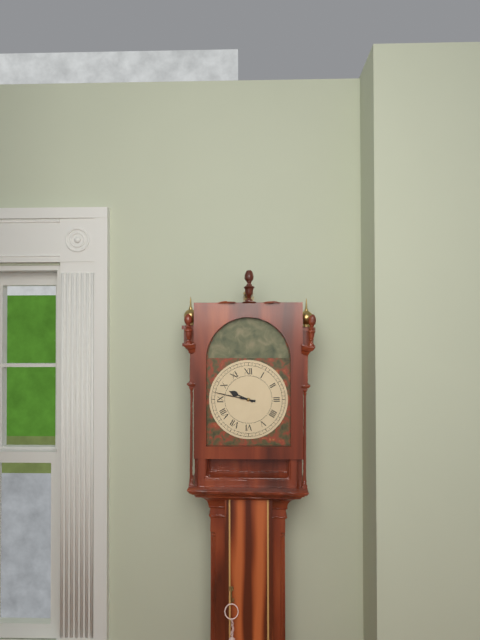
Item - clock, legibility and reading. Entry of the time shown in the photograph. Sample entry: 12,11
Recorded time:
9,47
